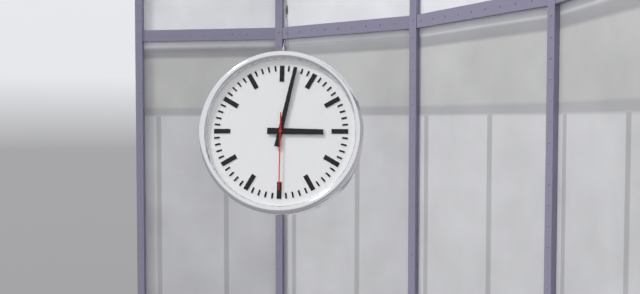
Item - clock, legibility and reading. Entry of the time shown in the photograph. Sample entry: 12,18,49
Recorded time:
3,02,30
